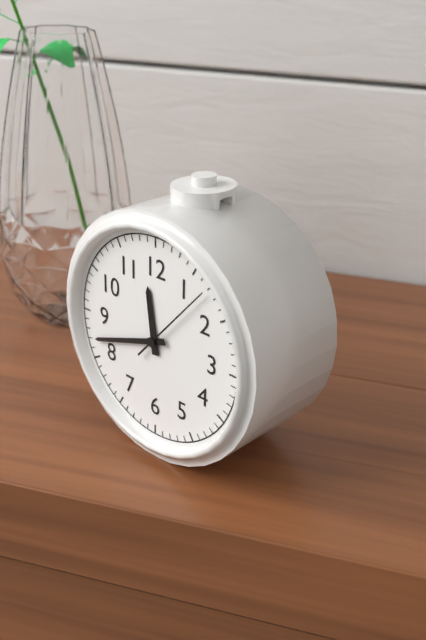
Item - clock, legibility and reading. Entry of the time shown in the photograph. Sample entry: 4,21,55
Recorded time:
11,42,07
